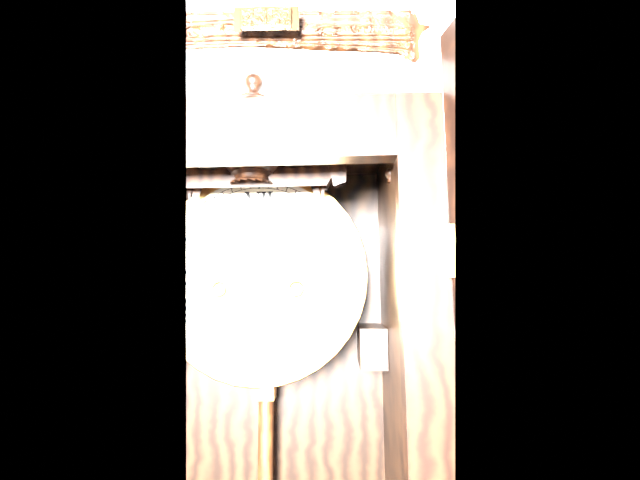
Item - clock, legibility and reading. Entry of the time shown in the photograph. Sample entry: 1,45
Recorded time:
11,33
